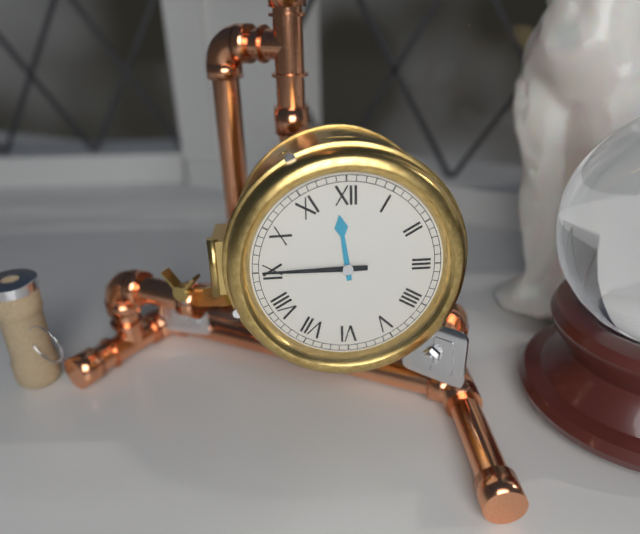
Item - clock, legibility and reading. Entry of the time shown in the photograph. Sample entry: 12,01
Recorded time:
11,45
